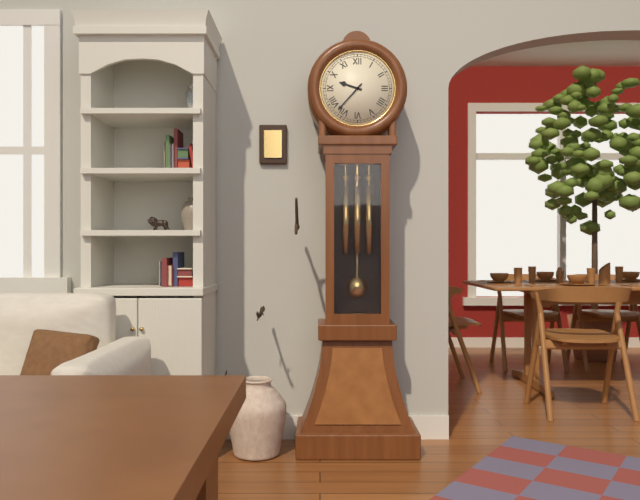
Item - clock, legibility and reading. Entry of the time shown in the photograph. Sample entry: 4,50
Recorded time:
9,37
